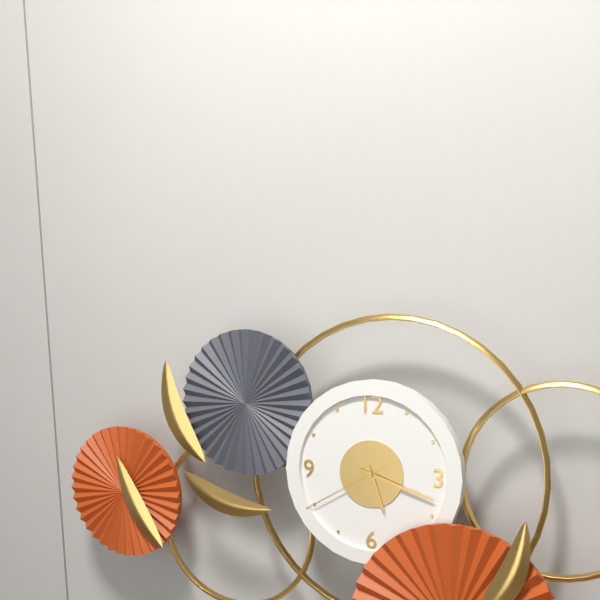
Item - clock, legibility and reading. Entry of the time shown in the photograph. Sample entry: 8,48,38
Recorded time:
5,18,40
